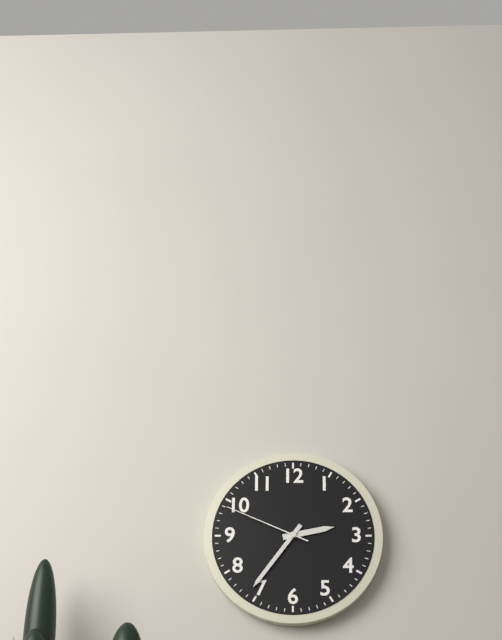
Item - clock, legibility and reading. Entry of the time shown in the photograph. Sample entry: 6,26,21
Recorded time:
2,36,49
